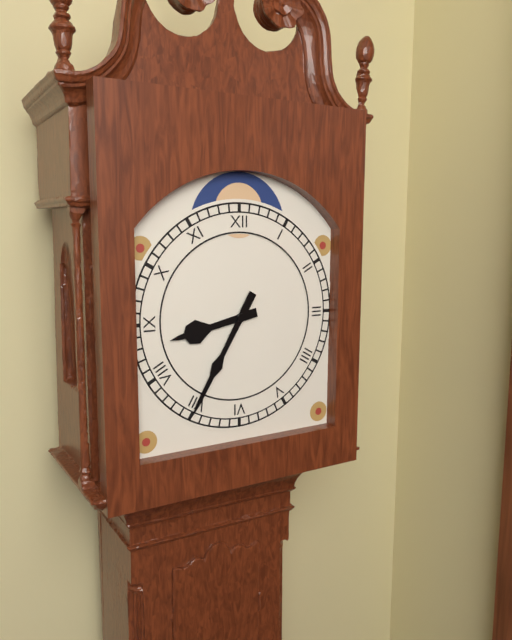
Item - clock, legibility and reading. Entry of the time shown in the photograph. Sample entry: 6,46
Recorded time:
8,35
